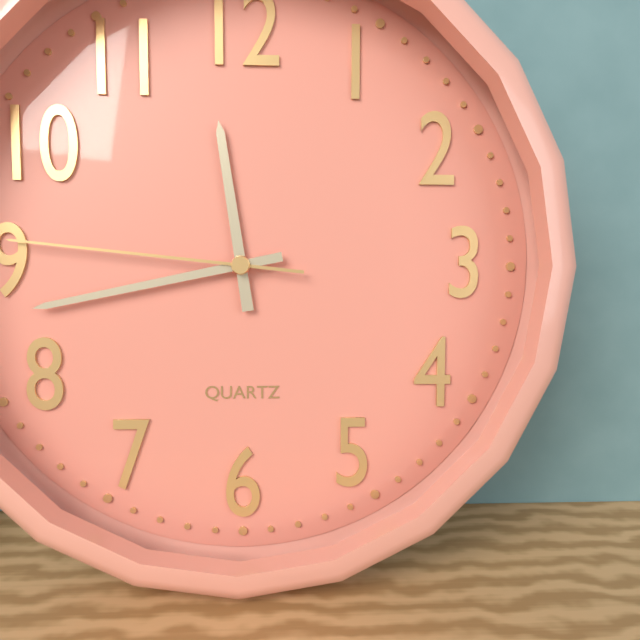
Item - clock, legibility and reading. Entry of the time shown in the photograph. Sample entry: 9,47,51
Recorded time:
11,43,46
